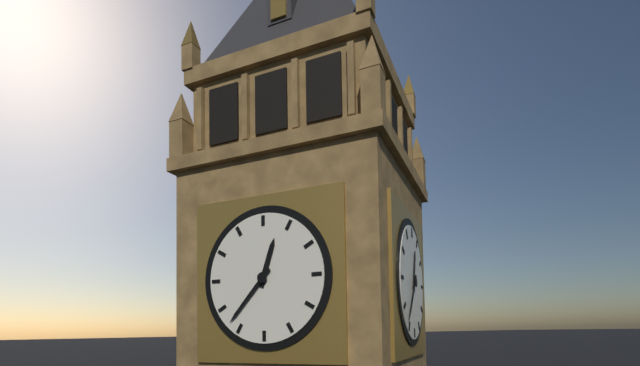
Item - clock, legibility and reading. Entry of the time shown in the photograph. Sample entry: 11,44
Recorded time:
12,37
